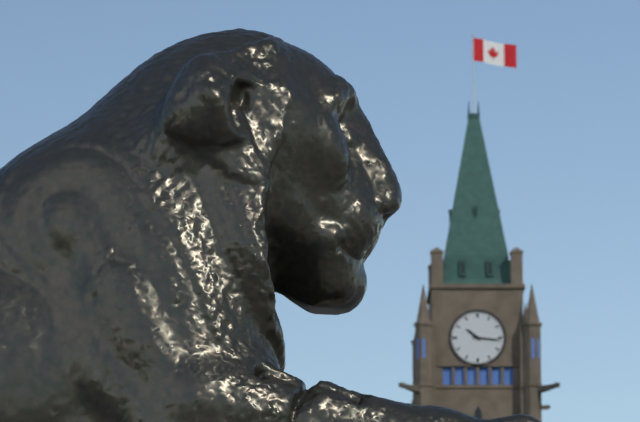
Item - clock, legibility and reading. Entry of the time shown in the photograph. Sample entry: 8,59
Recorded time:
10,16
